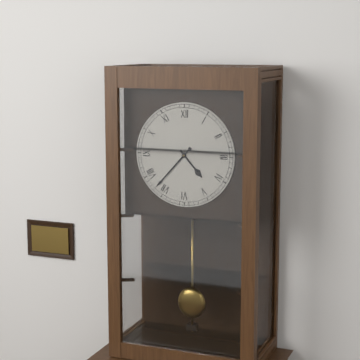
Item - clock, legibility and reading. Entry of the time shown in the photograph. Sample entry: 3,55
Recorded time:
4,37
